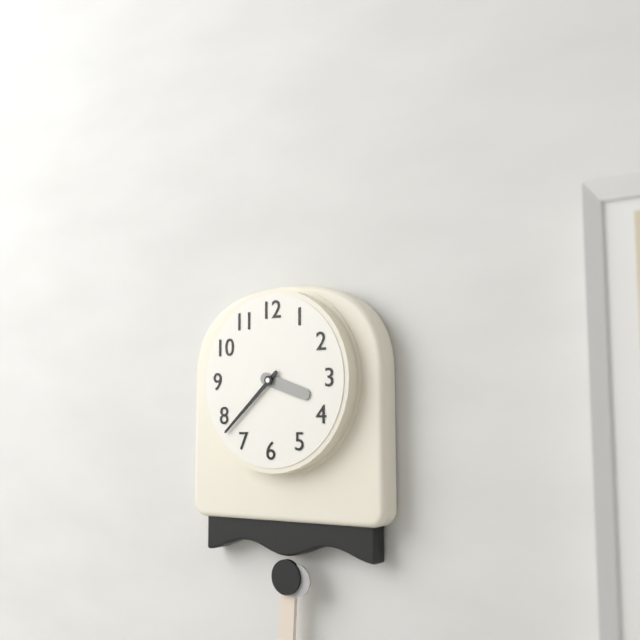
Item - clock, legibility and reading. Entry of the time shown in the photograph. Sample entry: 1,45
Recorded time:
3,38
